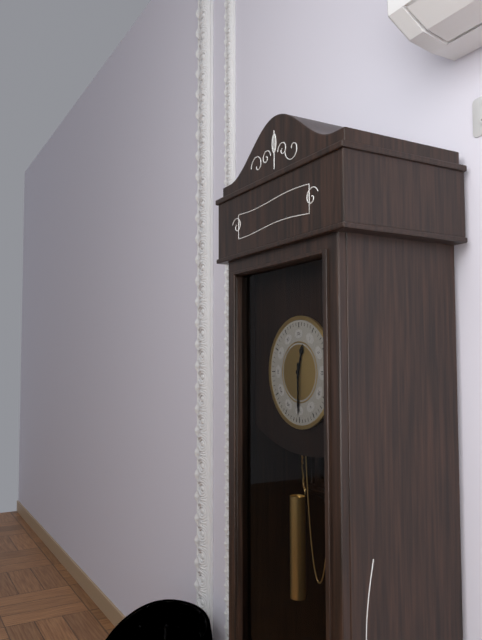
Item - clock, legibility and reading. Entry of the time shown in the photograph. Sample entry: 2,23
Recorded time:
12,30
